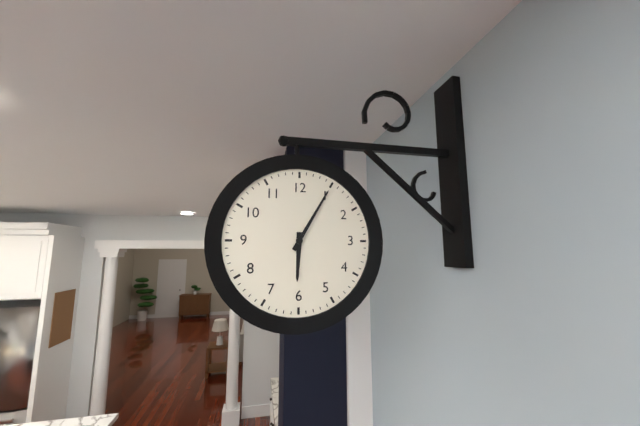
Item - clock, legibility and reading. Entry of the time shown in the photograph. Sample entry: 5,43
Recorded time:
6,05
